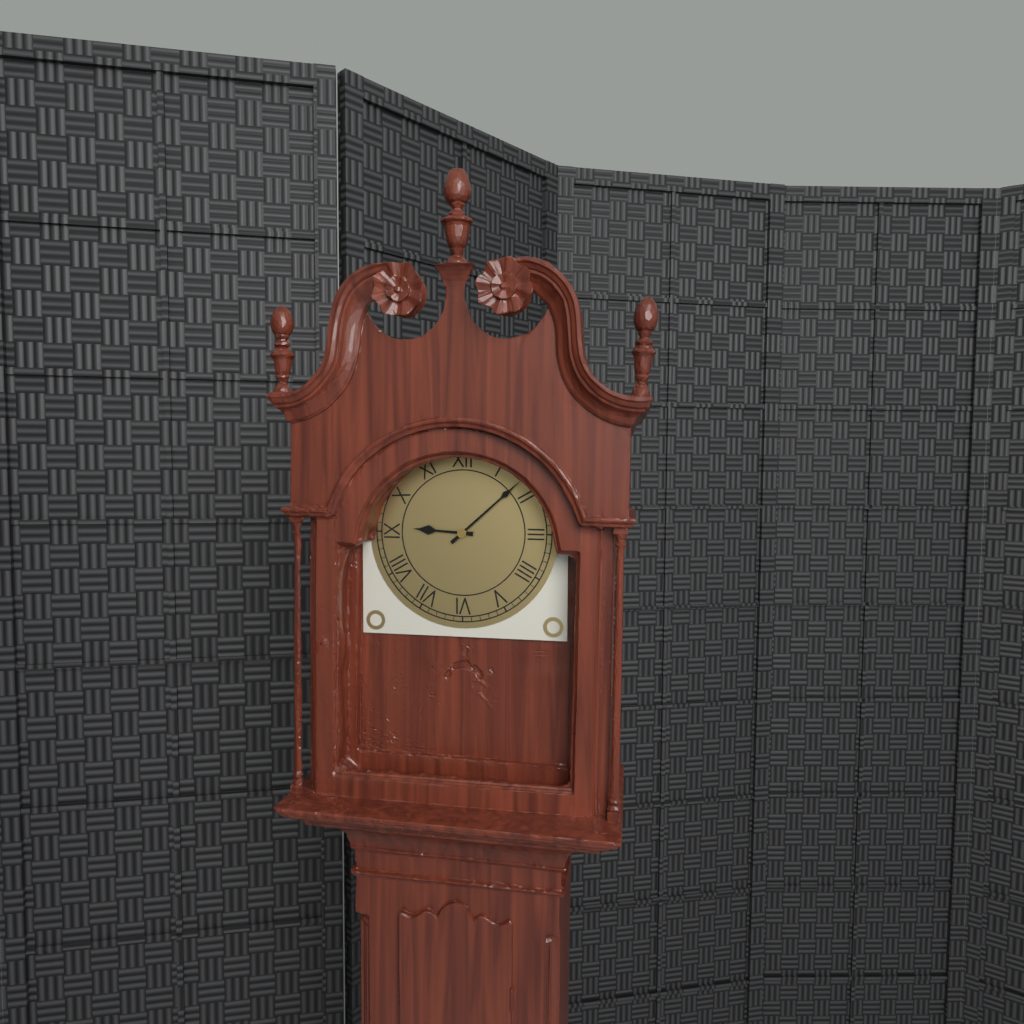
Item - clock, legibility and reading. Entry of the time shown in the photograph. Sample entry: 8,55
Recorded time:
9,08
